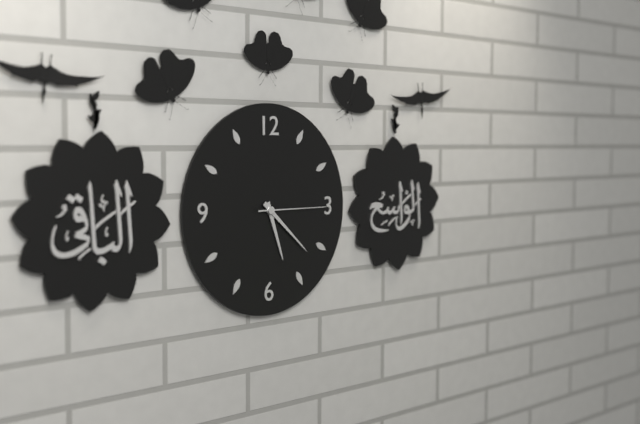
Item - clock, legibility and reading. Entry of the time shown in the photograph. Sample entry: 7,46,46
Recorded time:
5,22,15
